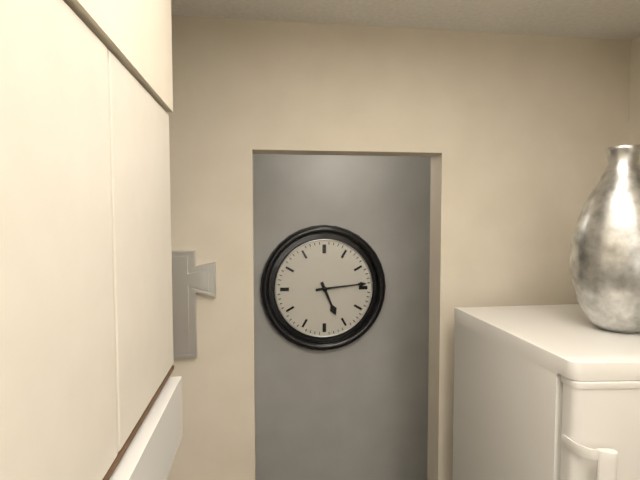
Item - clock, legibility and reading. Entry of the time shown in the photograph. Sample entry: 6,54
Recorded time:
5,14
